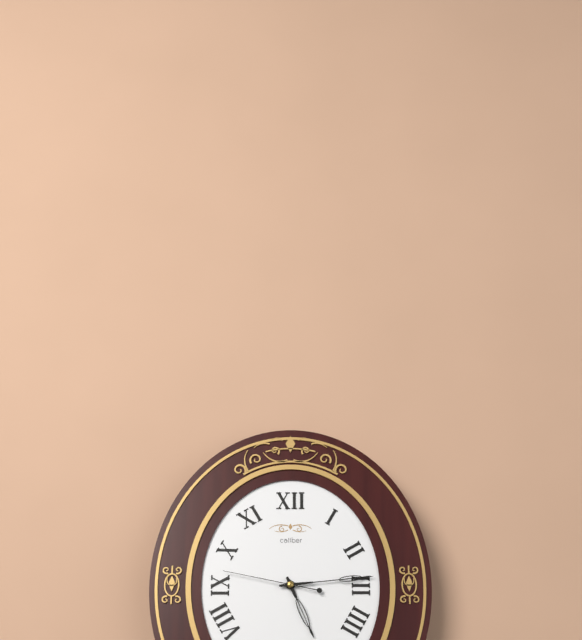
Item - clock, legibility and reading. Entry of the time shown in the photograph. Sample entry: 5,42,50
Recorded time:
5,14,47
